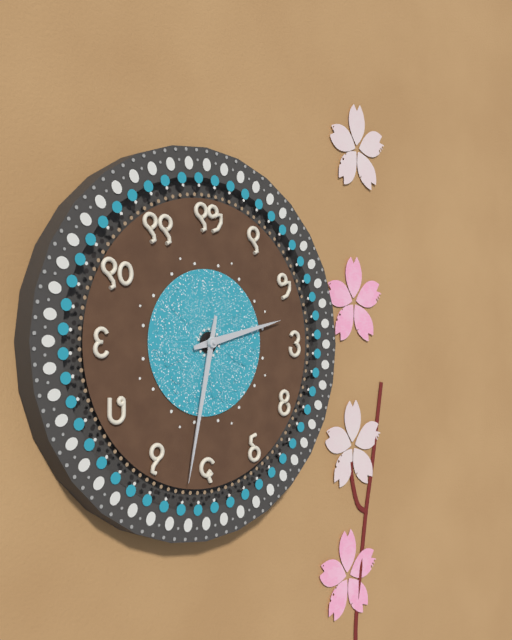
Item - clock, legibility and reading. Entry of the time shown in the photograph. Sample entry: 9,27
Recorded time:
2,32
